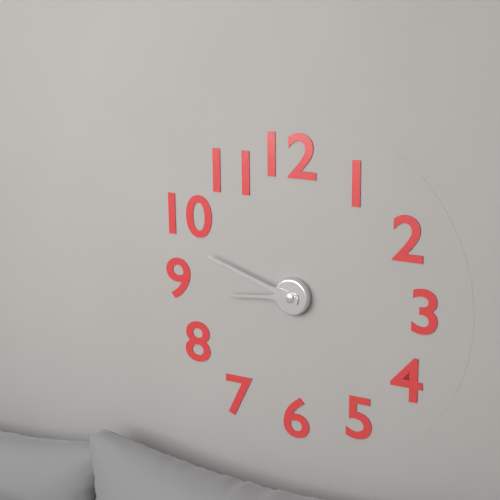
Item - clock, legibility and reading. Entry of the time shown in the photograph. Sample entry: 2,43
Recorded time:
8,48
